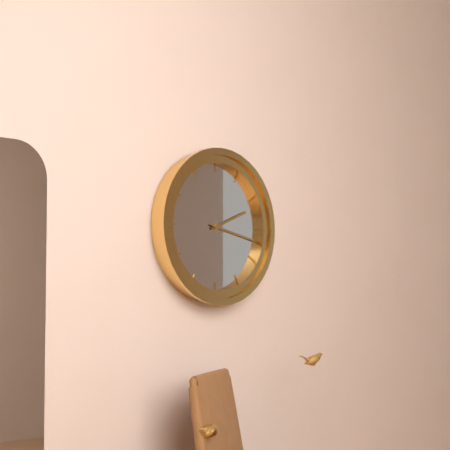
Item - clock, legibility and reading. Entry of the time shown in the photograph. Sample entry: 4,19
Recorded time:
2,17
